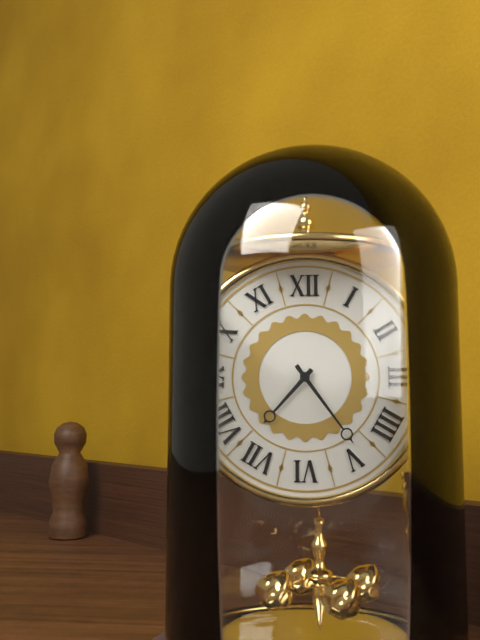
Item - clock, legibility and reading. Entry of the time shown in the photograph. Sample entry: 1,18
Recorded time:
7,24
